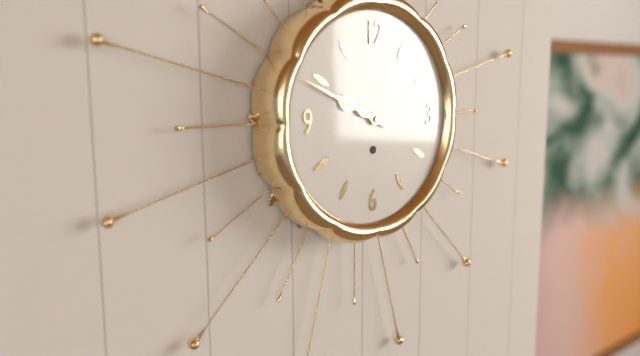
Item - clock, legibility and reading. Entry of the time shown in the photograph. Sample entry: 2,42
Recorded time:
9,49
